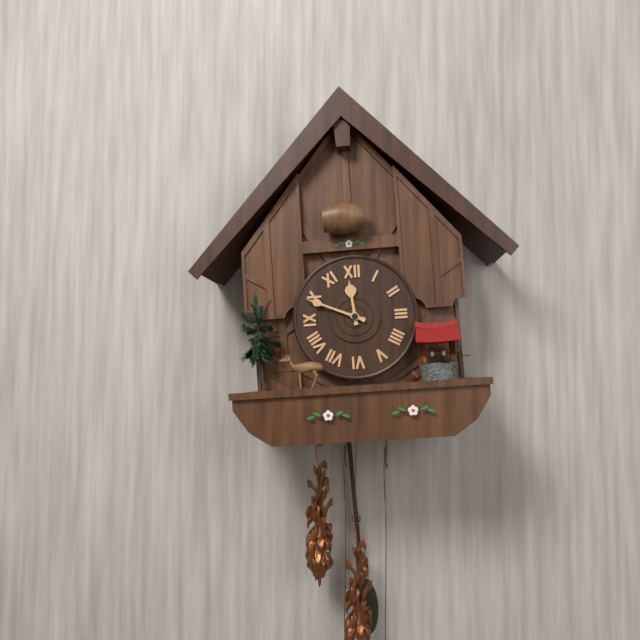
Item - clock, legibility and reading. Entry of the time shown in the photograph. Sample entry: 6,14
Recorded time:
11,49
